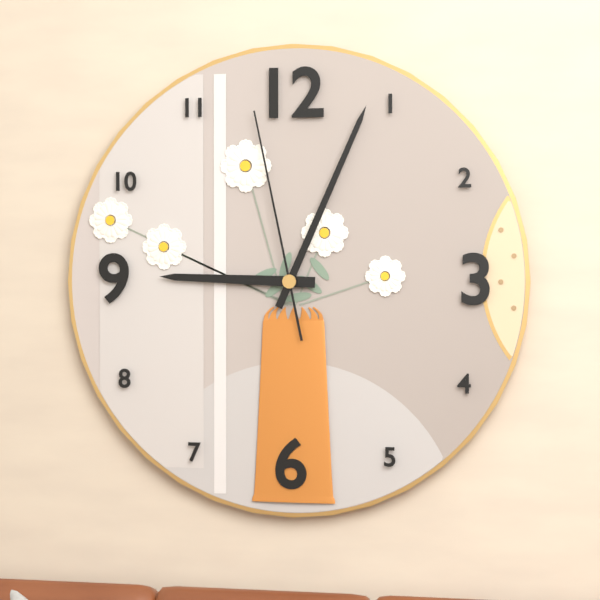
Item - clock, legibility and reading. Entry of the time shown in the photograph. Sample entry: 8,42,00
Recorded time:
9,04,58
